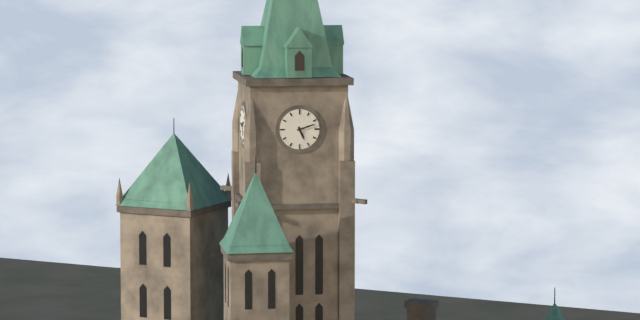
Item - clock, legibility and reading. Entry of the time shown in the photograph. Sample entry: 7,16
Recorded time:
5,12
